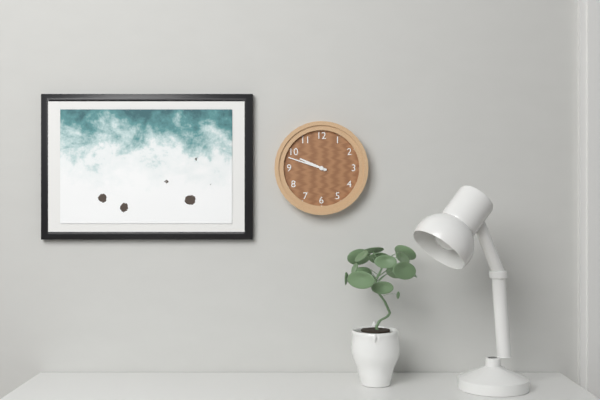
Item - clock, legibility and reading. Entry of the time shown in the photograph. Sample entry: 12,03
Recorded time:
9,48
